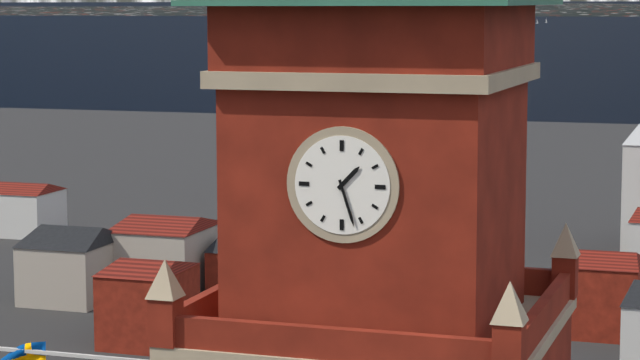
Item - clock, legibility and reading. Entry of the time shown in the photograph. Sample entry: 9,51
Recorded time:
1,27
